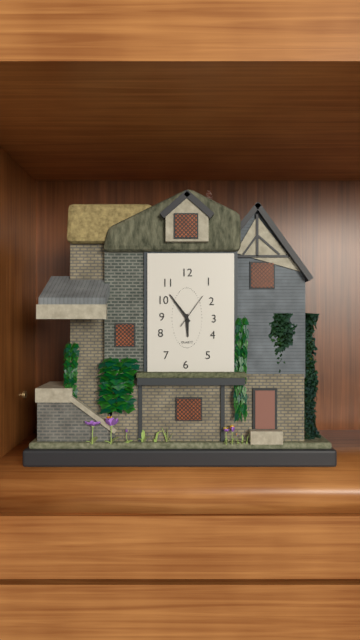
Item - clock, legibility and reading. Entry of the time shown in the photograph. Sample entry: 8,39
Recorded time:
5,54
